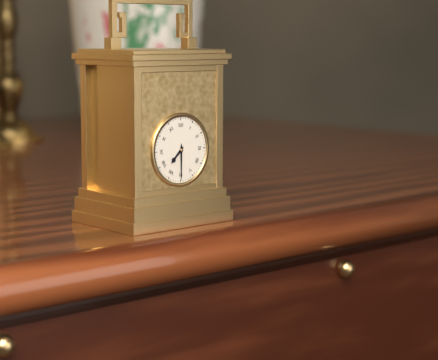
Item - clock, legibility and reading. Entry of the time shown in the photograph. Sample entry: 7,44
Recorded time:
7,30
